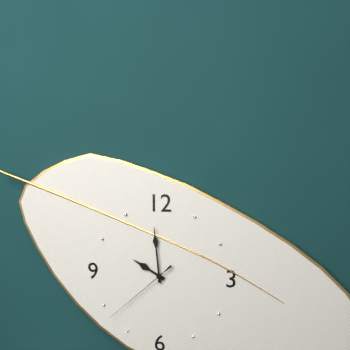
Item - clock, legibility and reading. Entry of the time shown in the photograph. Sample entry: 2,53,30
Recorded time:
9,59,38
